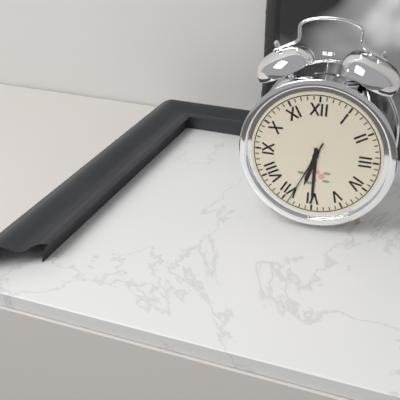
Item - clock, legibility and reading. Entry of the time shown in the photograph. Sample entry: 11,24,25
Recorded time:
6,30,34
